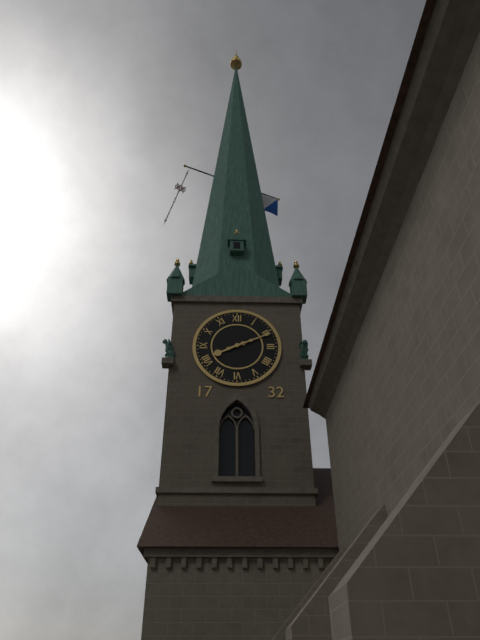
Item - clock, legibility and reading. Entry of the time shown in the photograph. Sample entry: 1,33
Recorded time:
8,11
